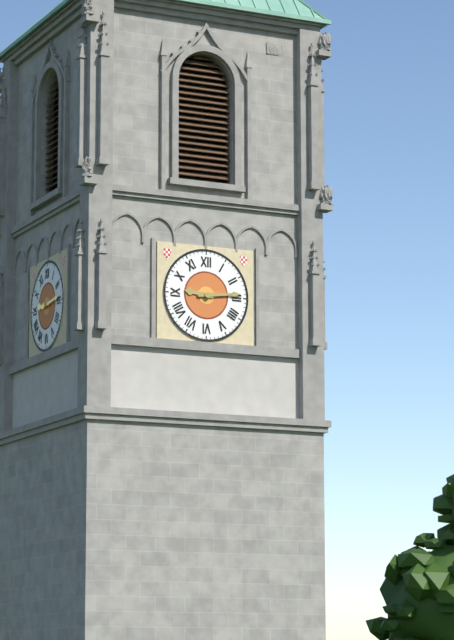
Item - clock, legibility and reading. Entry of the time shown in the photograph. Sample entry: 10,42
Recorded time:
9,14
